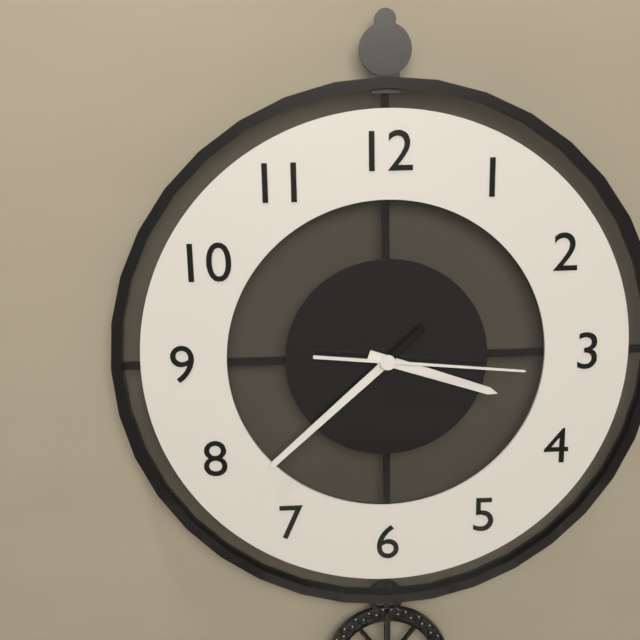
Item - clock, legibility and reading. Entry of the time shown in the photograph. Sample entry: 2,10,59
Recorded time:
3,38,16
